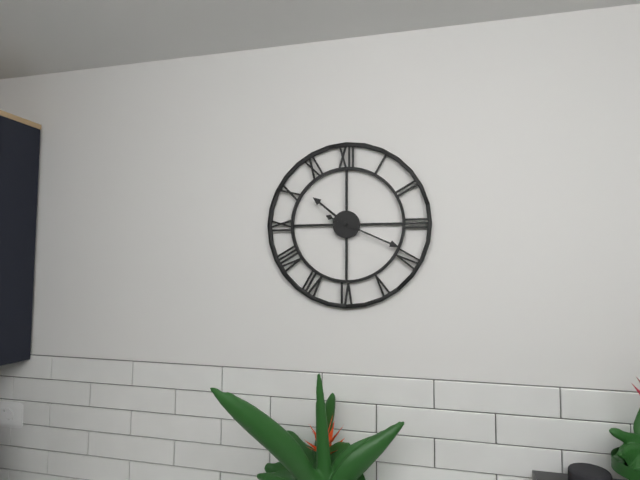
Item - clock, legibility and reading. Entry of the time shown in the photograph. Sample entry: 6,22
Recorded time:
10,19
